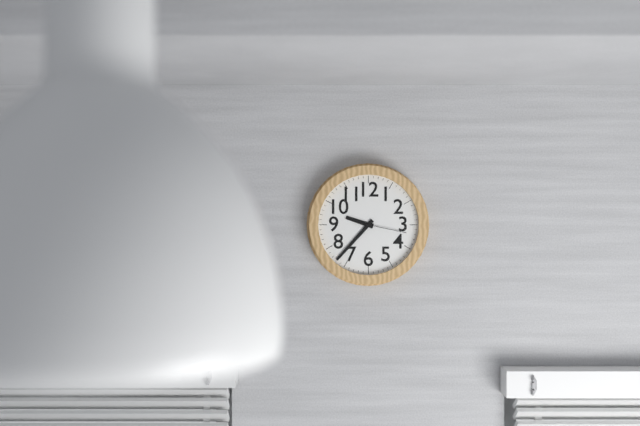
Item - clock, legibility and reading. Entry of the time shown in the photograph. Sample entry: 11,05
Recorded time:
9,37
